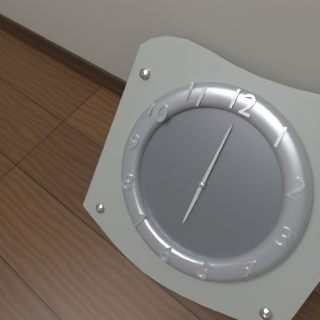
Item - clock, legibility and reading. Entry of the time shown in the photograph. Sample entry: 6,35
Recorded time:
6,00
